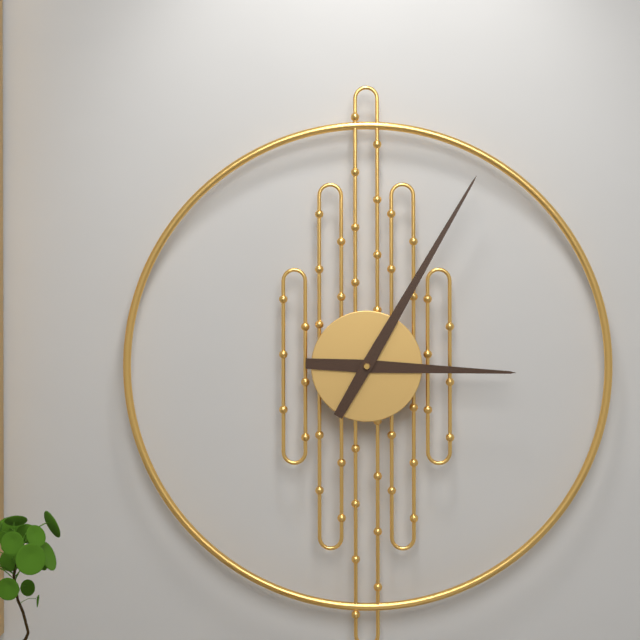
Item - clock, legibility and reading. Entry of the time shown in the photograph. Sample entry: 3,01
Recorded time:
3,05
